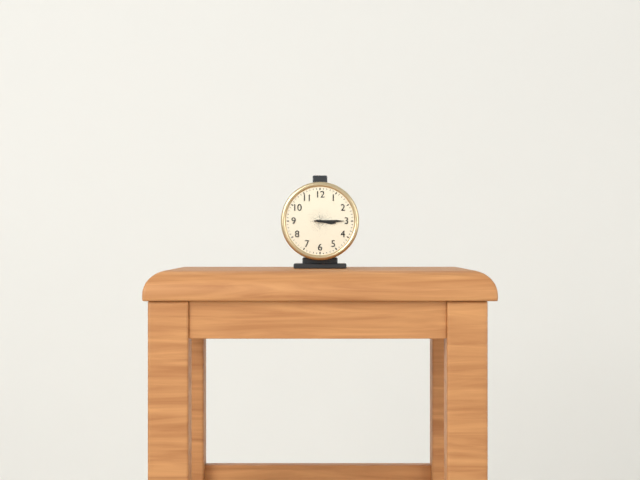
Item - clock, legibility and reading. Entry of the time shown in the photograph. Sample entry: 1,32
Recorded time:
3,15
